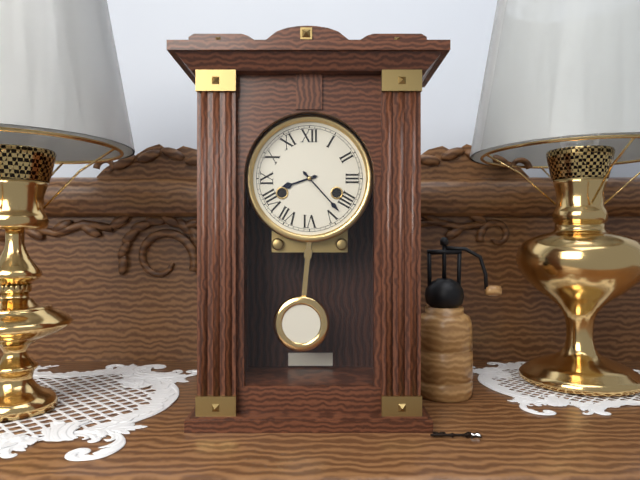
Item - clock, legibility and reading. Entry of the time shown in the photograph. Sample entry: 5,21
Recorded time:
8,23
